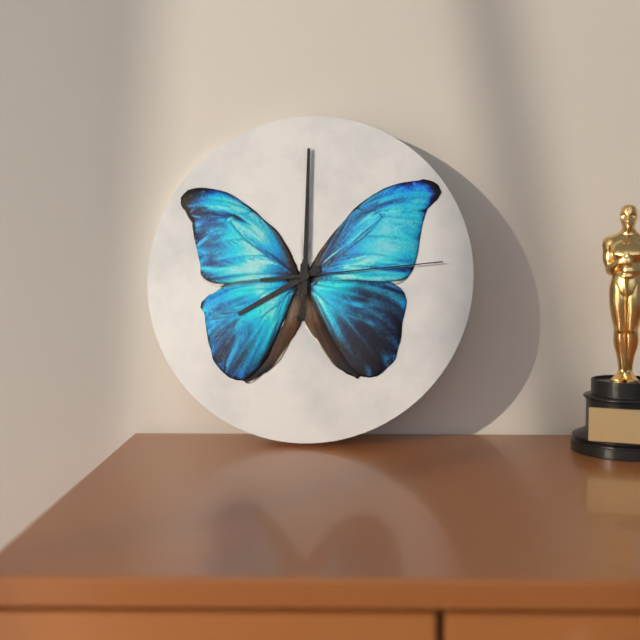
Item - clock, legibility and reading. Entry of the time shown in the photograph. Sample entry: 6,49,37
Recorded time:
8,00,14
